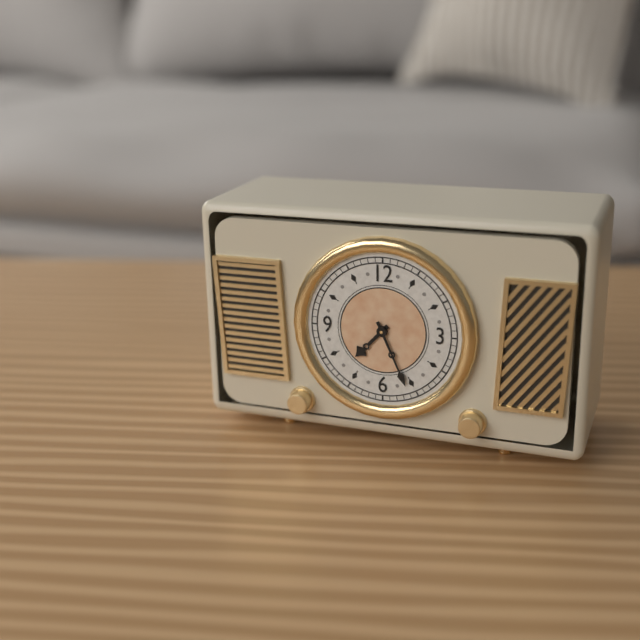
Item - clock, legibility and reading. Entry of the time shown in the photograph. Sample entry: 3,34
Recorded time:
7,26
